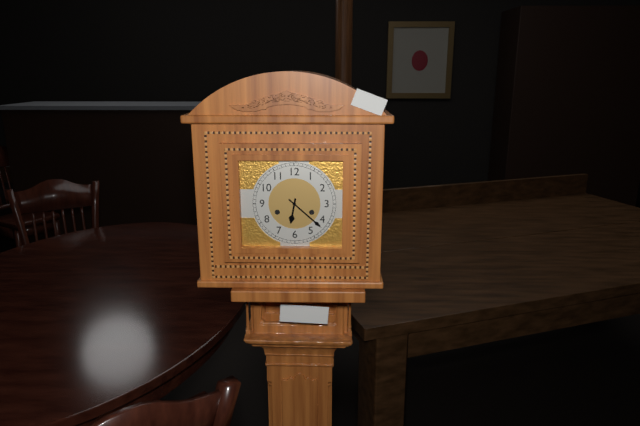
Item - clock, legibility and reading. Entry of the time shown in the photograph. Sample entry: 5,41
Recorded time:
6,22
